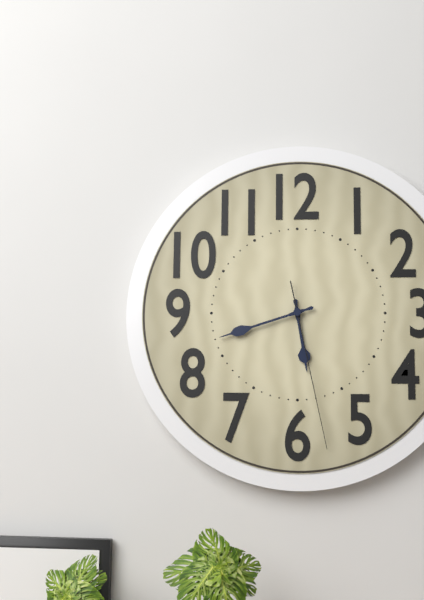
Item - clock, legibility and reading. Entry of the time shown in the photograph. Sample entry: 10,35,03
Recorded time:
5,42,28
